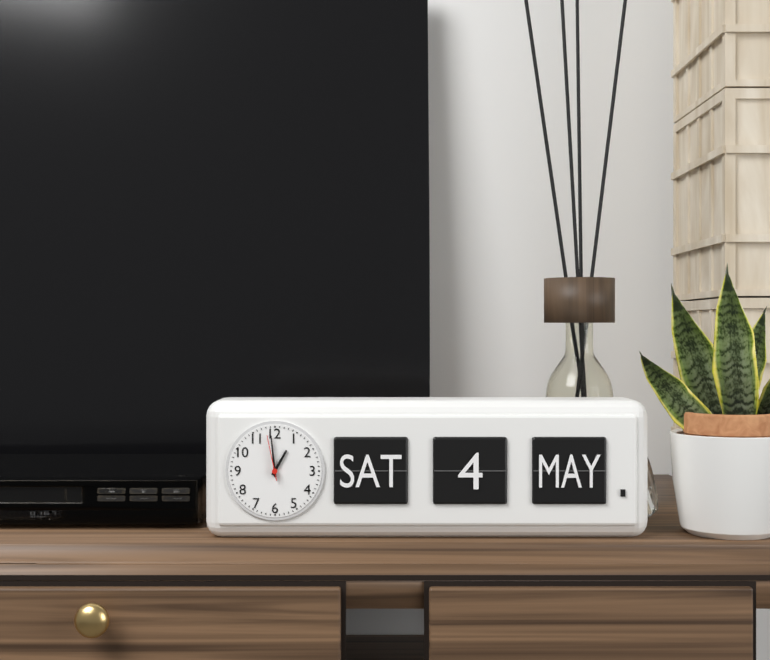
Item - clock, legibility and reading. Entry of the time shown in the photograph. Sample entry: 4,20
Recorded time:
12,59
